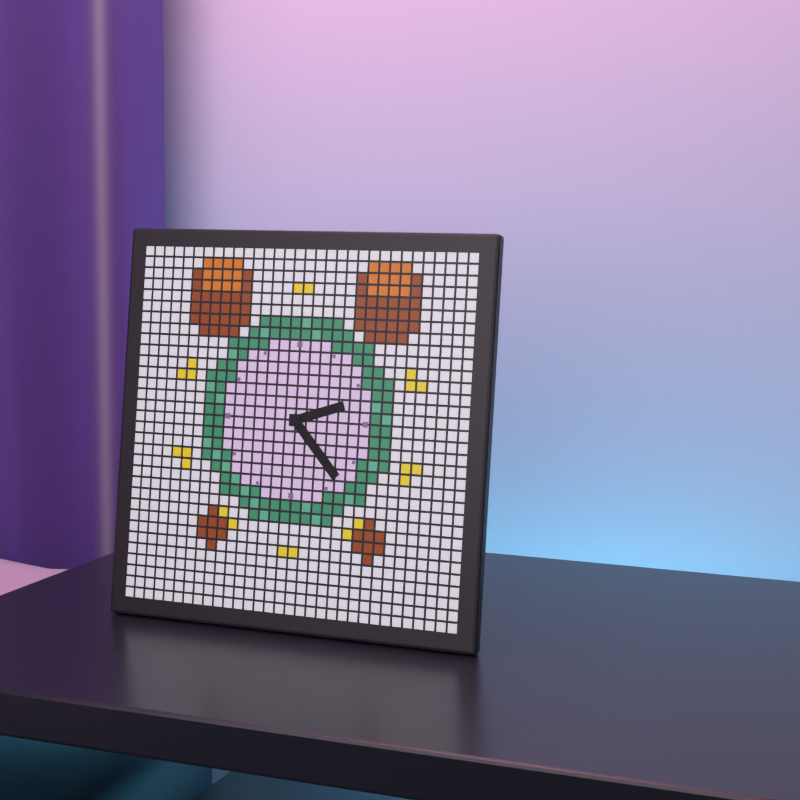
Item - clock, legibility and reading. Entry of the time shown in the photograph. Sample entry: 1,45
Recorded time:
2,23
